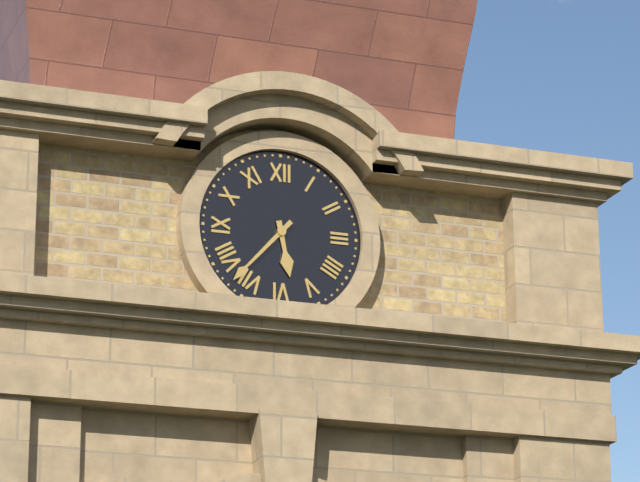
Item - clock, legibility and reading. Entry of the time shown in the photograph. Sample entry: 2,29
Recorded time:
5,37
